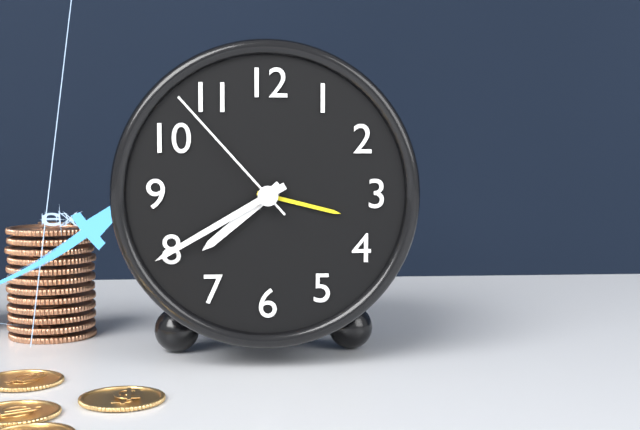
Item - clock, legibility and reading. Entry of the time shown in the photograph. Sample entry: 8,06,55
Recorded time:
7,40,53
